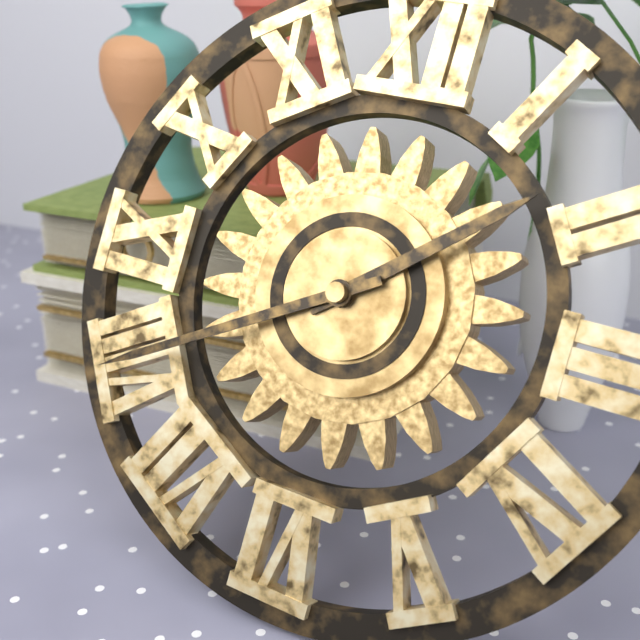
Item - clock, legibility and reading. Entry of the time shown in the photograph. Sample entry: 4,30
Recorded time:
1,40
